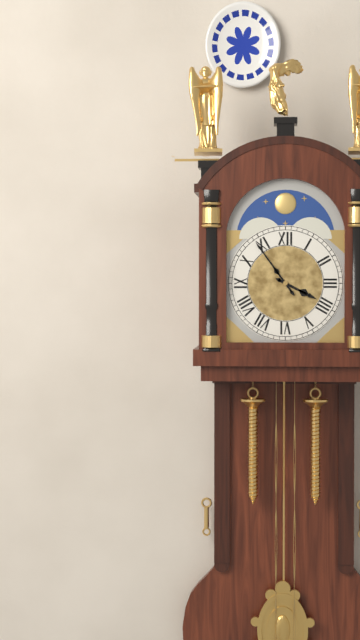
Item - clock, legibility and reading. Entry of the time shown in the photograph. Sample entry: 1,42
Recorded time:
3,54
